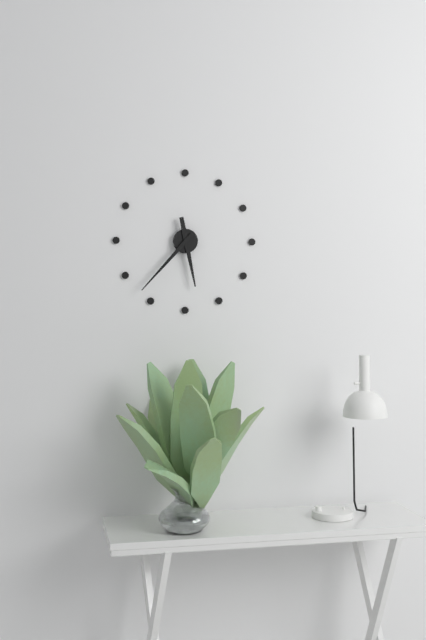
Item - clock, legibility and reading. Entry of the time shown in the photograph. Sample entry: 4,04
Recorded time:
5,37
